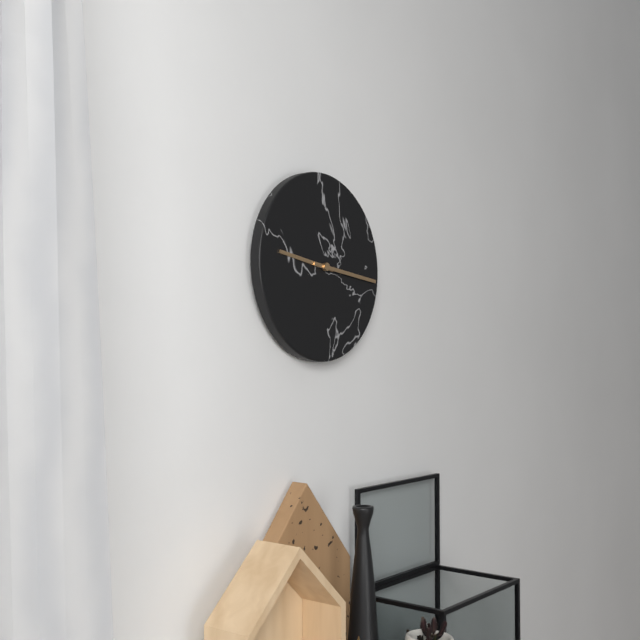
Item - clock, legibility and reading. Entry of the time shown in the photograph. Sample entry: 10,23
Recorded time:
9,16
